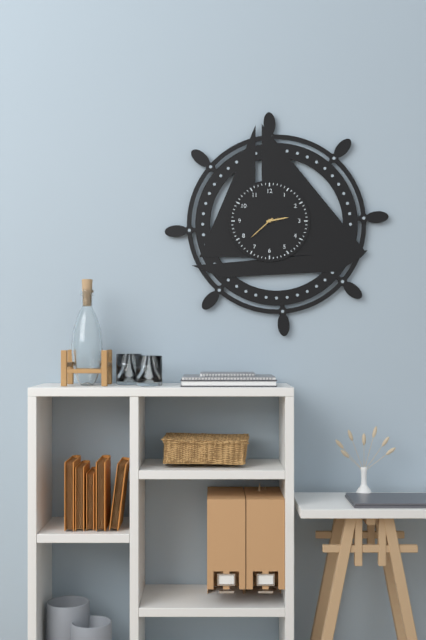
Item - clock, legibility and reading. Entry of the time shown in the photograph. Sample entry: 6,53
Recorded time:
2,38
